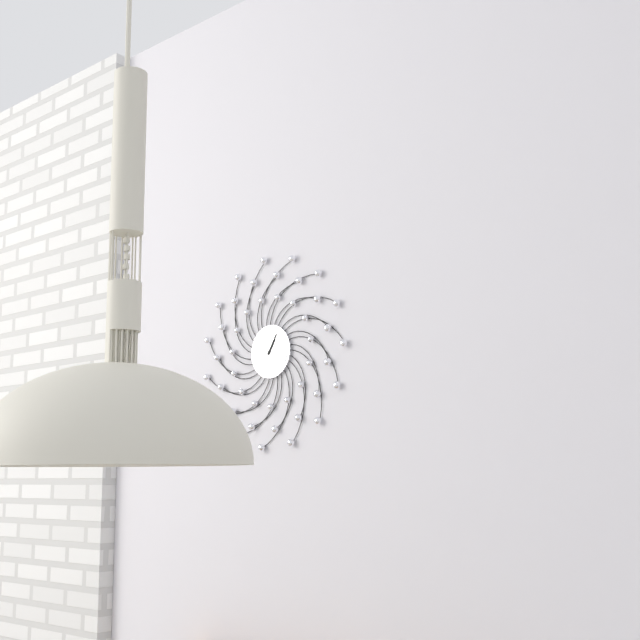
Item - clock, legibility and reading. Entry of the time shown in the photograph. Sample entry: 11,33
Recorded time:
1,05
